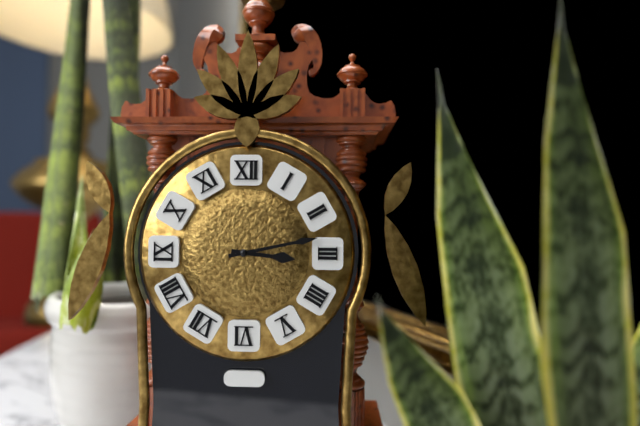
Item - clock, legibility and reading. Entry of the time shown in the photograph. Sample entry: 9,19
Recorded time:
3,13
